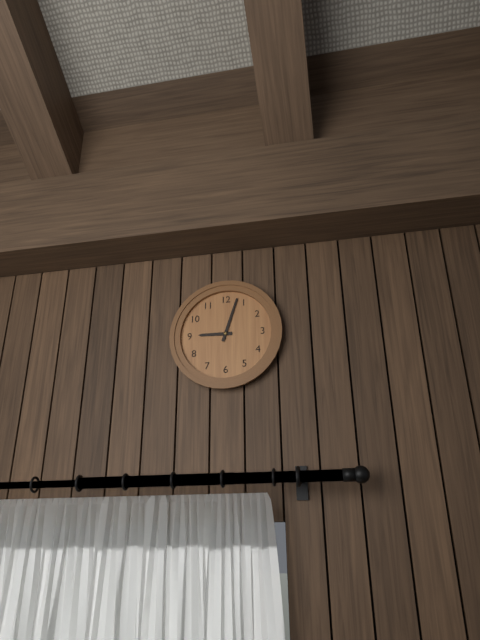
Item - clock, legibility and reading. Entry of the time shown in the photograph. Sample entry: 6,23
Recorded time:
9,03
